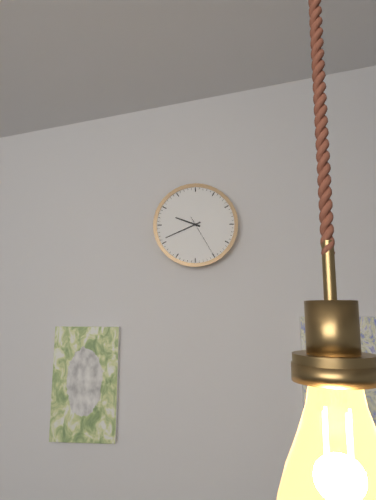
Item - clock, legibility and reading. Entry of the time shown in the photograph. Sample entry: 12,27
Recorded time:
9,41
